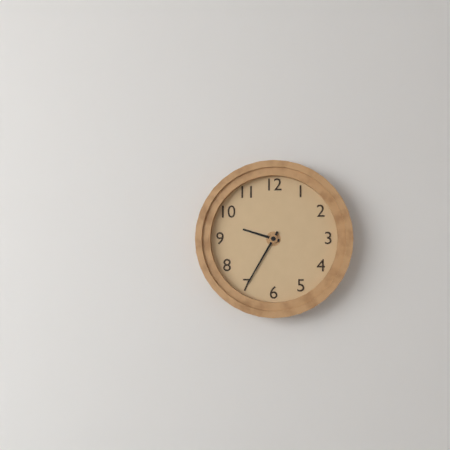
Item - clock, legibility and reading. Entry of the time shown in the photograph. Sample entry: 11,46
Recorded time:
9,35
